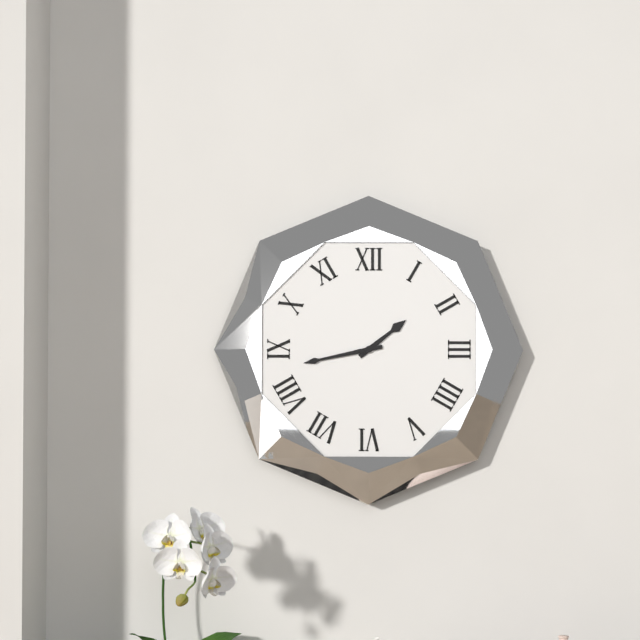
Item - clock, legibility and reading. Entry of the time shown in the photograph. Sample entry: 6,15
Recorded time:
1,43
